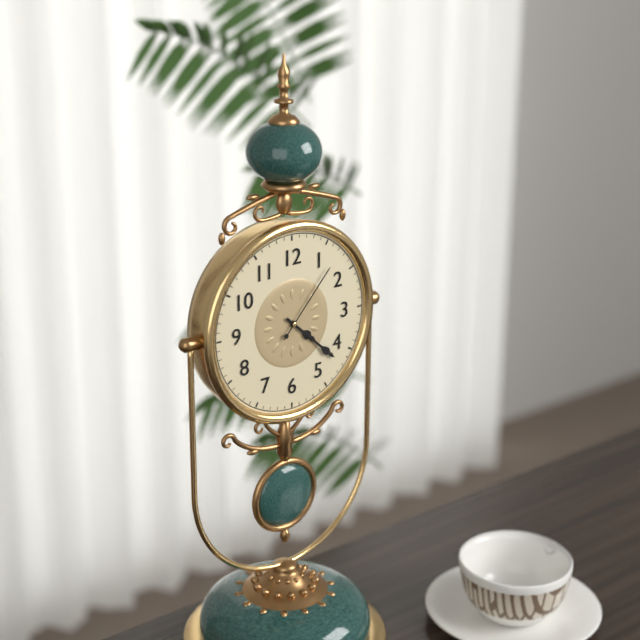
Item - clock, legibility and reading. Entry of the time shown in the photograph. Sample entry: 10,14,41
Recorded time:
4,22,07
